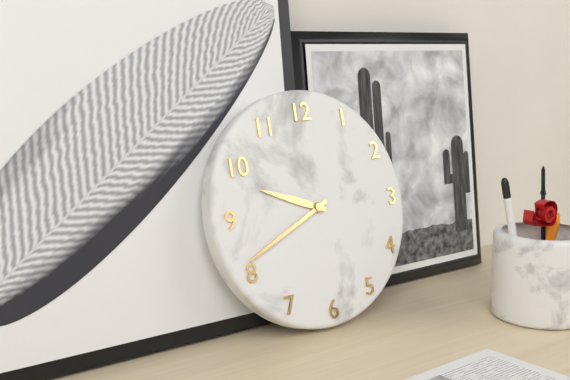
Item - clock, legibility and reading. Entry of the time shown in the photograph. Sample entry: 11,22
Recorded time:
9,41
